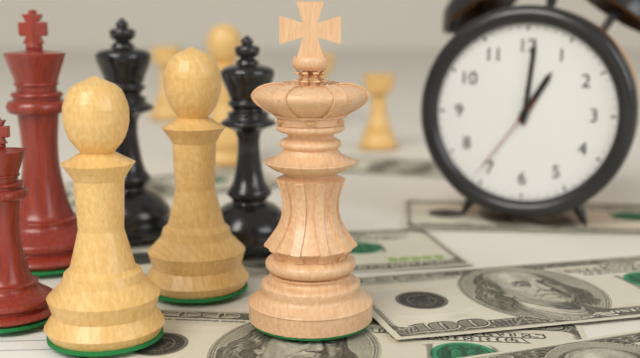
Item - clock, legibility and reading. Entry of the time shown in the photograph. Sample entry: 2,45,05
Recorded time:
1,01,36
